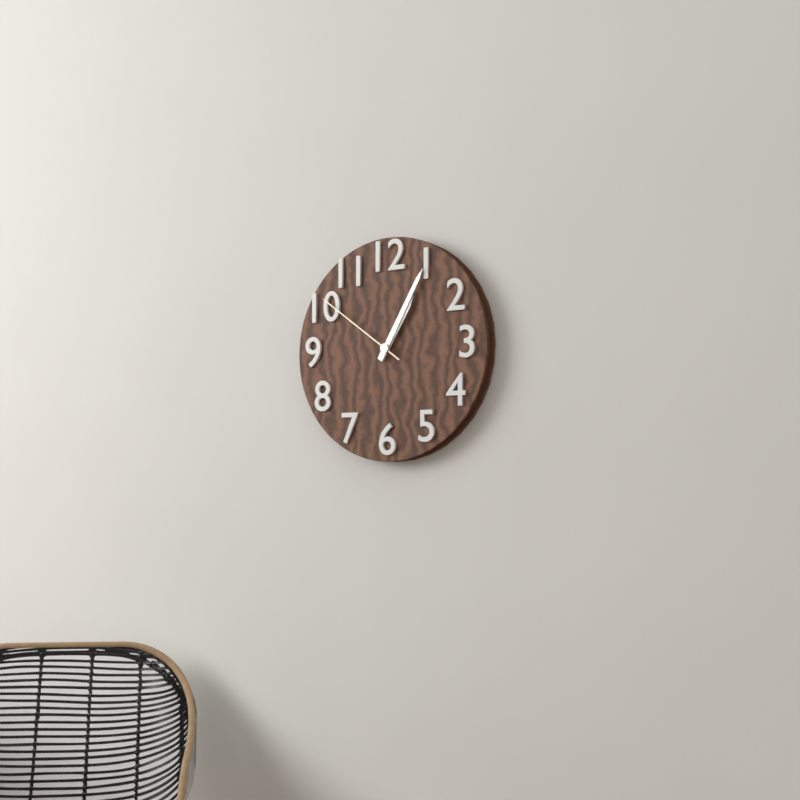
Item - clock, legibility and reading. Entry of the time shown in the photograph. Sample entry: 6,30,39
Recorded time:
1,05,51
